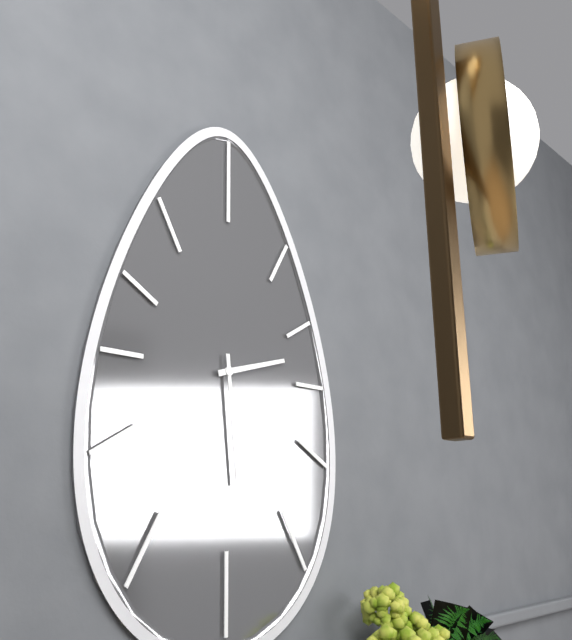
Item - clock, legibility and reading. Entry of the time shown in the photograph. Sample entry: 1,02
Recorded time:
2,29
